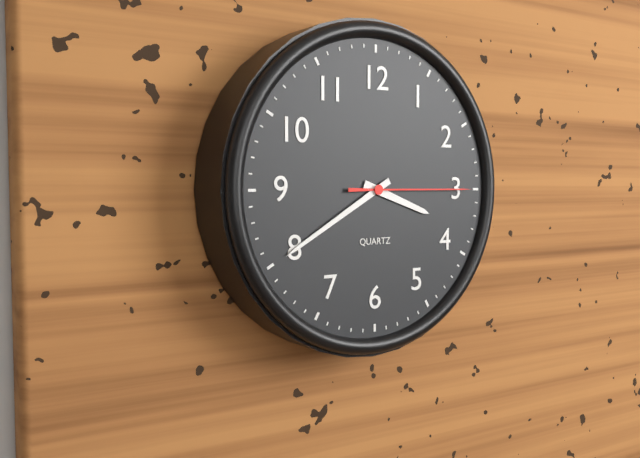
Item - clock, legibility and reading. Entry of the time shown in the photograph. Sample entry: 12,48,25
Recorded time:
3,40,15
